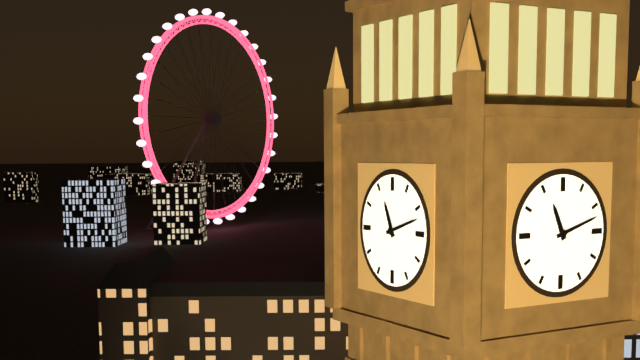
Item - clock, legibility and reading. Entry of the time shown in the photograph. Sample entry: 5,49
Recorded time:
11,12
